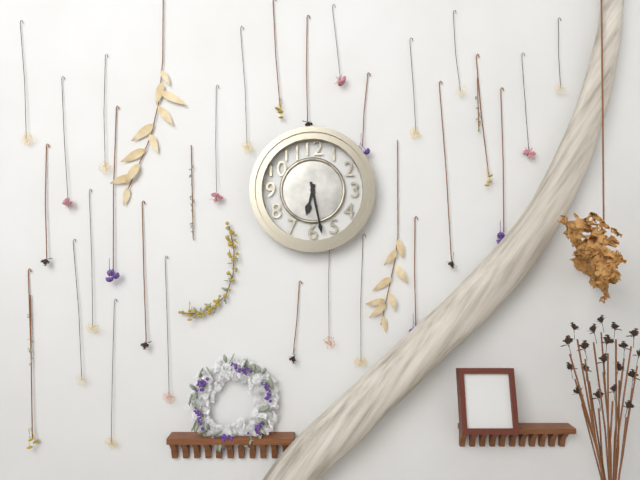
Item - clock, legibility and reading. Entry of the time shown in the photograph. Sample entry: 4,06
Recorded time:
6,28
